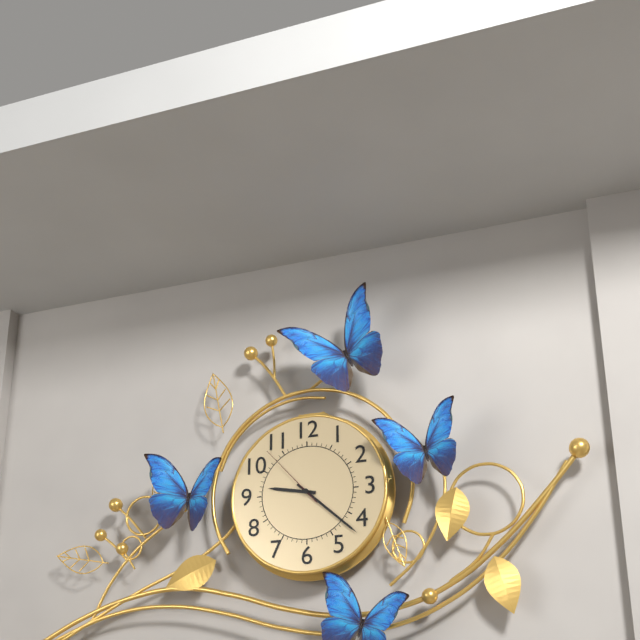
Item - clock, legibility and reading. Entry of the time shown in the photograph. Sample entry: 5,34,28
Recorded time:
9,22,53
